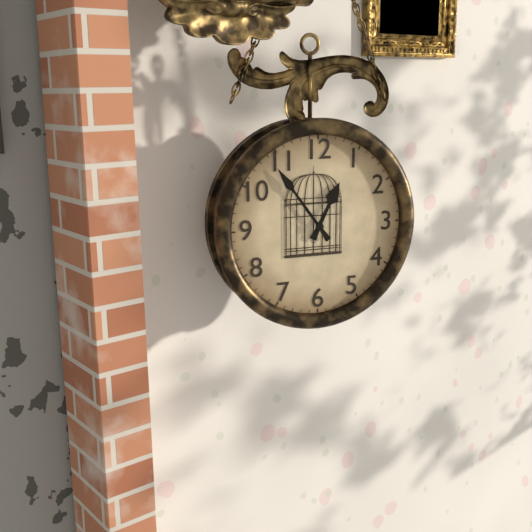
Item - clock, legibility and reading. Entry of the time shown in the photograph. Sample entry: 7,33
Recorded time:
12,54
